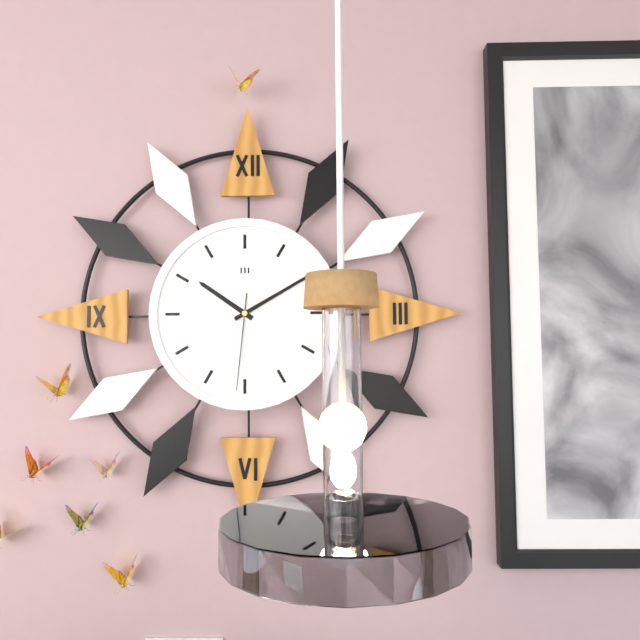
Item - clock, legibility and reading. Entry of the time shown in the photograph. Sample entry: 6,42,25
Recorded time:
10,10,31
